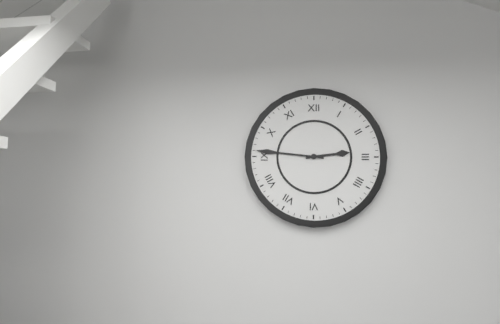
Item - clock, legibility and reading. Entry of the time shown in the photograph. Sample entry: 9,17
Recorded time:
2,46
